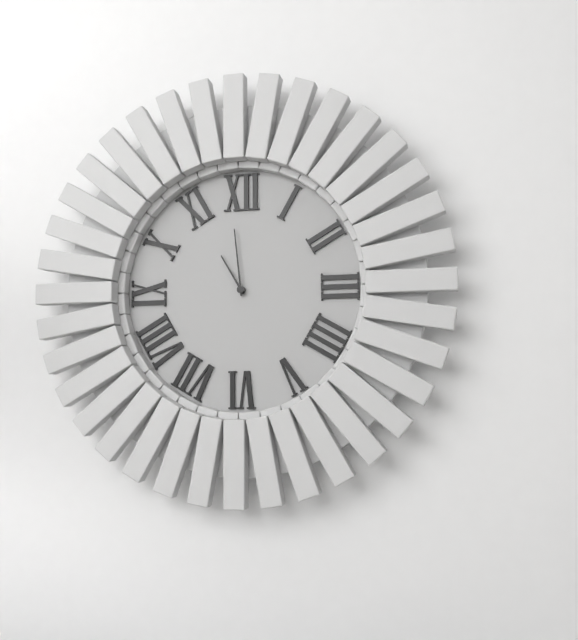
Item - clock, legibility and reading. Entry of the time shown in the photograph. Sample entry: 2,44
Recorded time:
10,59
